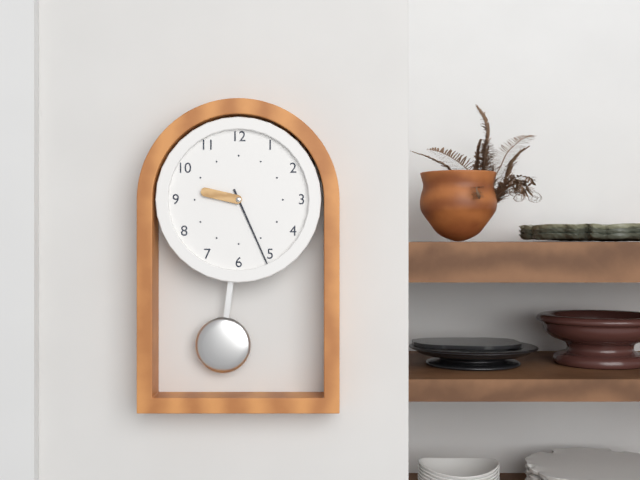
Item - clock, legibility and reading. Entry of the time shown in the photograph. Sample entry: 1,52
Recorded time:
9,26
